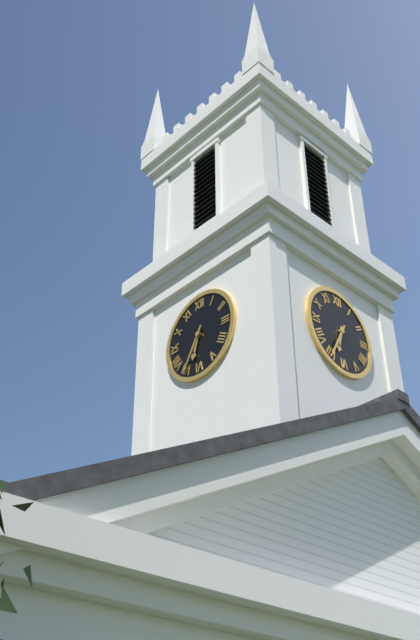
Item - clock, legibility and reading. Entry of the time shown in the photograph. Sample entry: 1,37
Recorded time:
6,35
